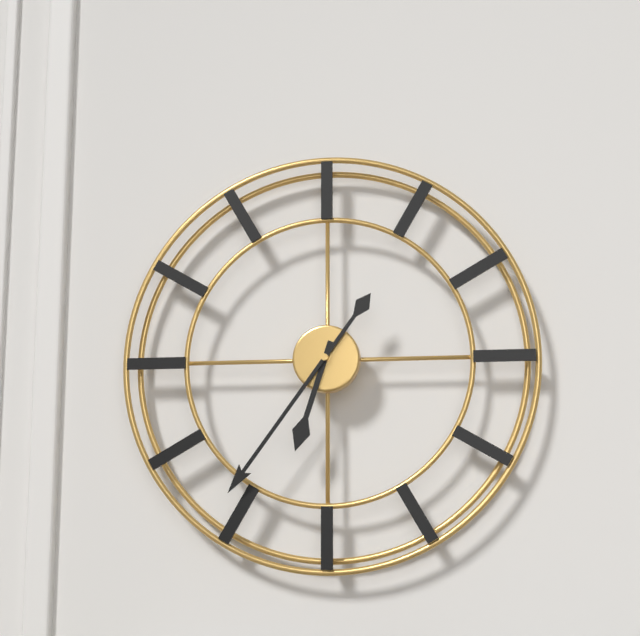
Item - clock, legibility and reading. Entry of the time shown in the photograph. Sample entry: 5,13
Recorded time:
6,36
